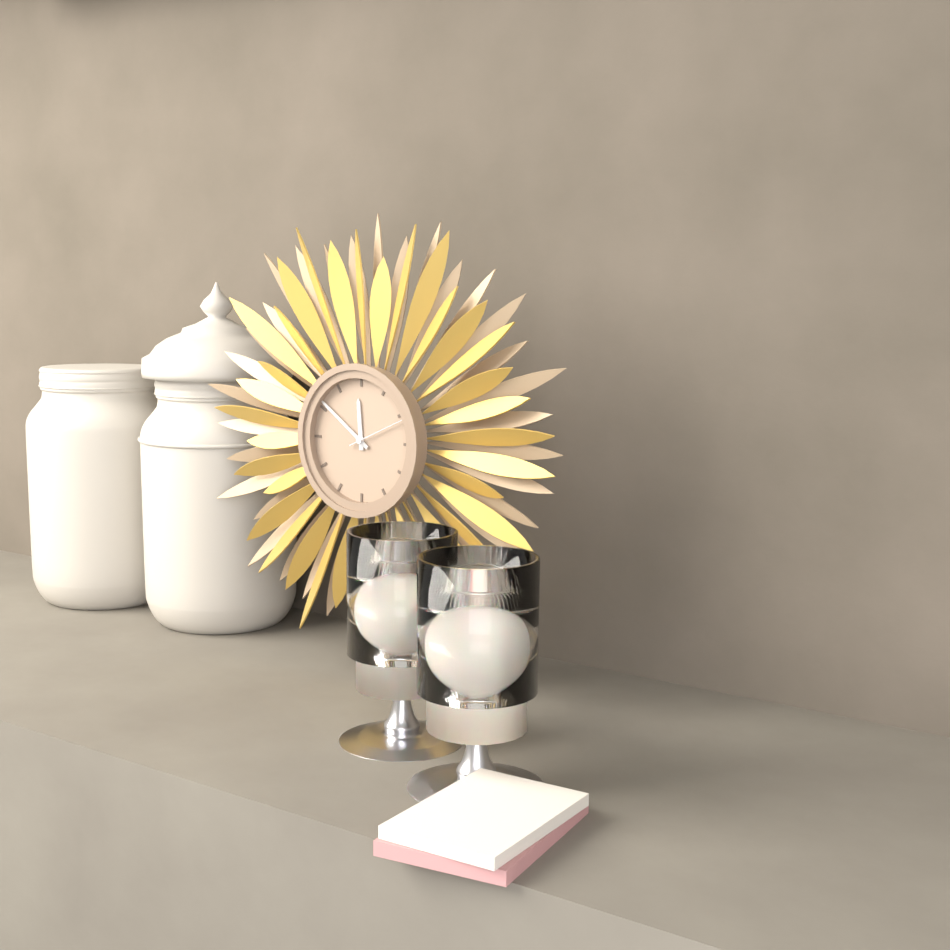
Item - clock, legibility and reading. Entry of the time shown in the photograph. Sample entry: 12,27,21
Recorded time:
11,51,11
